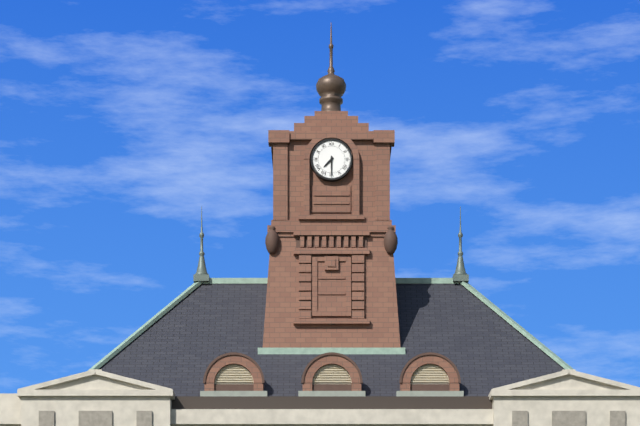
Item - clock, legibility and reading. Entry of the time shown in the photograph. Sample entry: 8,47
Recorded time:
7,30
